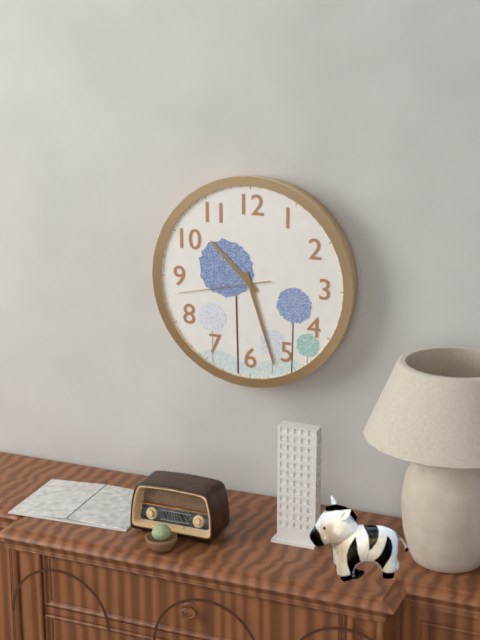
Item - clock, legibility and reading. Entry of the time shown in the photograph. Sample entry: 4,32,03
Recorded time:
10,27,43
